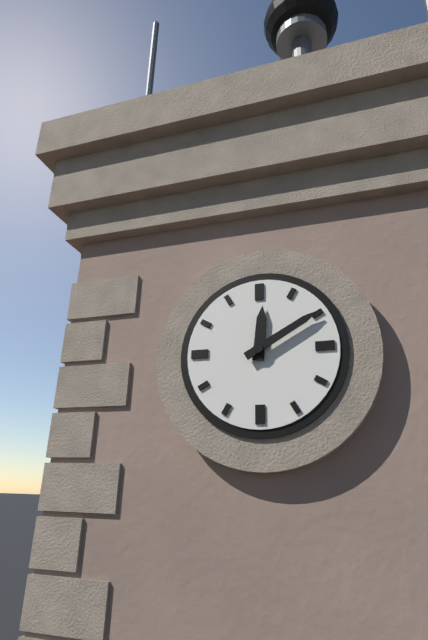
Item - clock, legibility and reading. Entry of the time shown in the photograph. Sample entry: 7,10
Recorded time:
12,10
